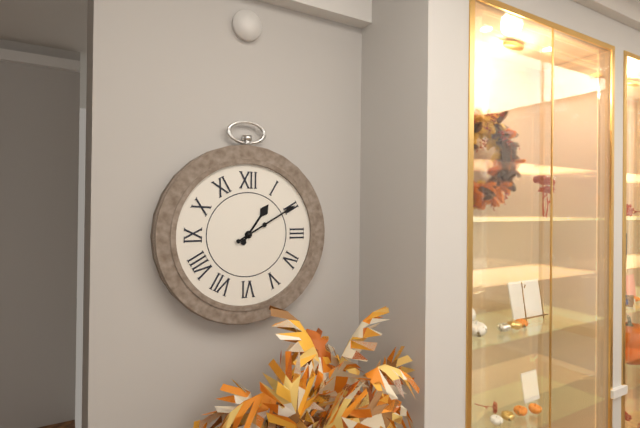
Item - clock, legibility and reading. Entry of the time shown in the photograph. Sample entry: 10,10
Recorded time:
1,10
